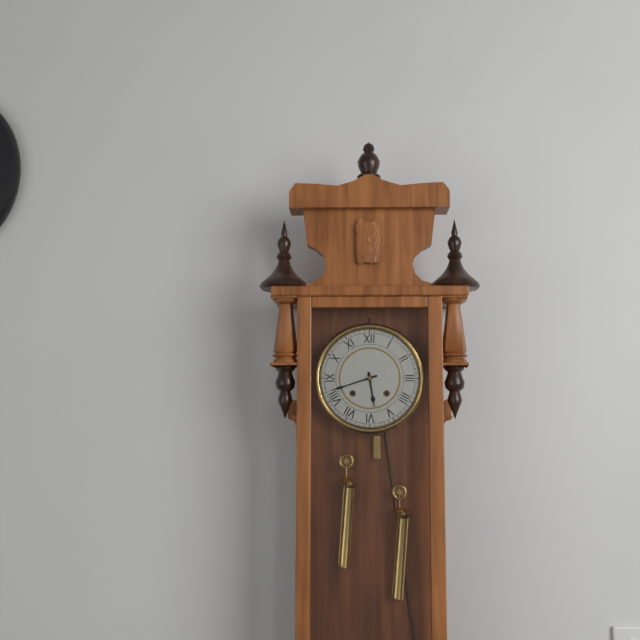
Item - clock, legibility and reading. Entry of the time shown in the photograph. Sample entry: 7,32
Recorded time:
5,42
